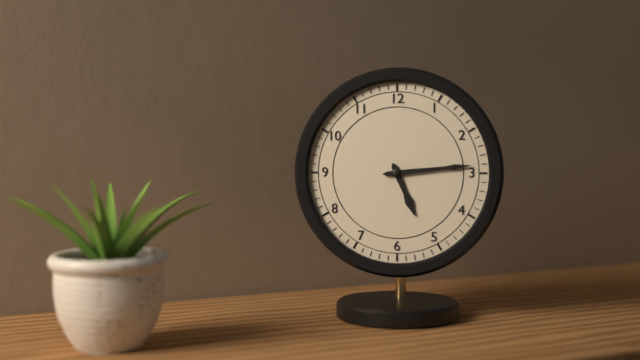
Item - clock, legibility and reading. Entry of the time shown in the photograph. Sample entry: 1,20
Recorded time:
5,14
